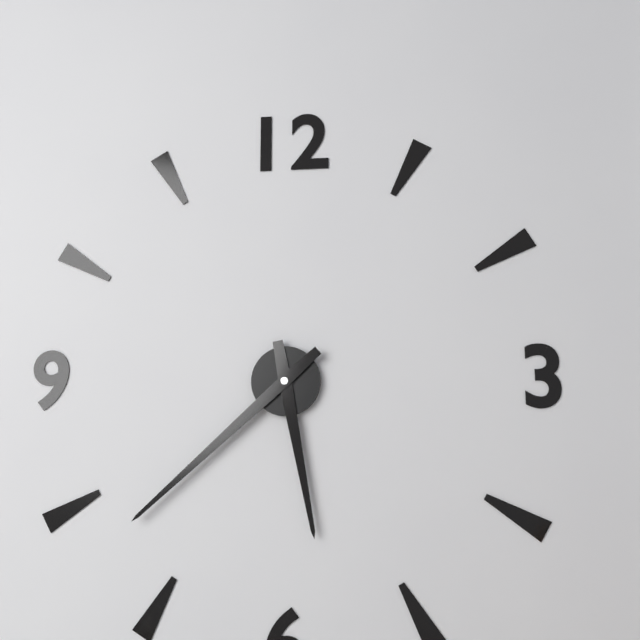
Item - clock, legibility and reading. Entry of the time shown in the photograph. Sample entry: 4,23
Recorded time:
5,38
